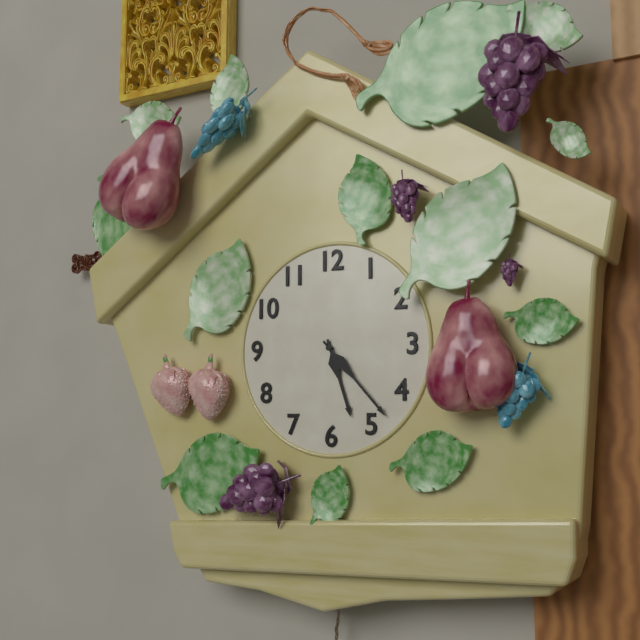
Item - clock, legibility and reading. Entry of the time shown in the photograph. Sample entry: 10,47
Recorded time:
5,23
